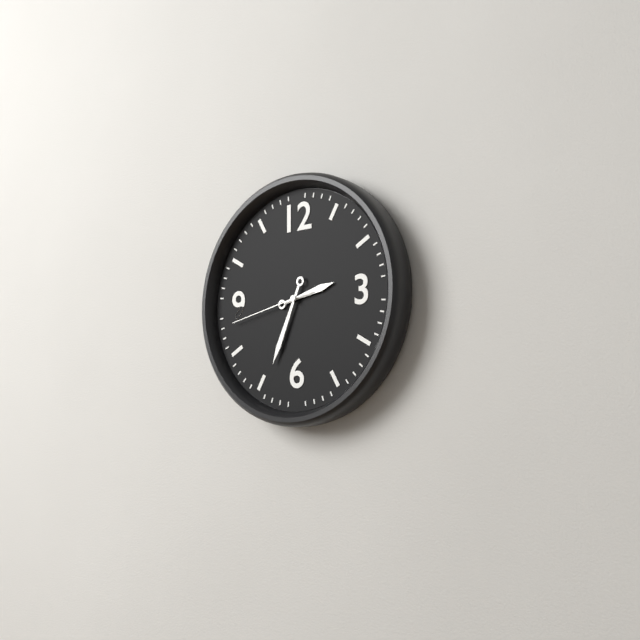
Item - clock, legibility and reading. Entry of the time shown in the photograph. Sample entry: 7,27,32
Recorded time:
2,34,43
